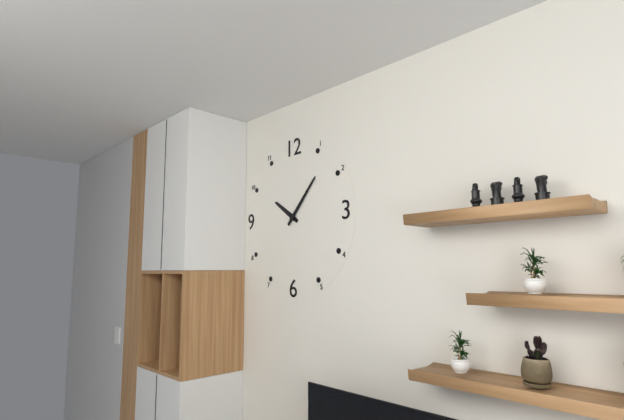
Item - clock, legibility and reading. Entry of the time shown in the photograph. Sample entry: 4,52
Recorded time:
10,07
